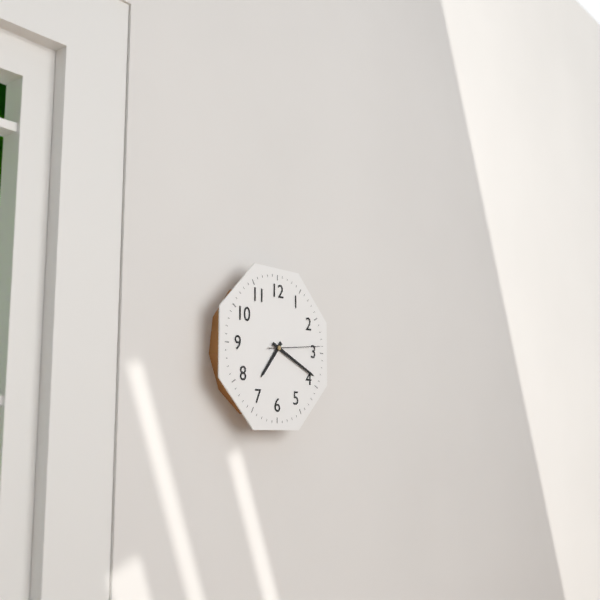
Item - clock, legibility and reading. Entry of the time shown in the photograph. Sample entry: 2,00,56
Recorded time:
7,19,14
